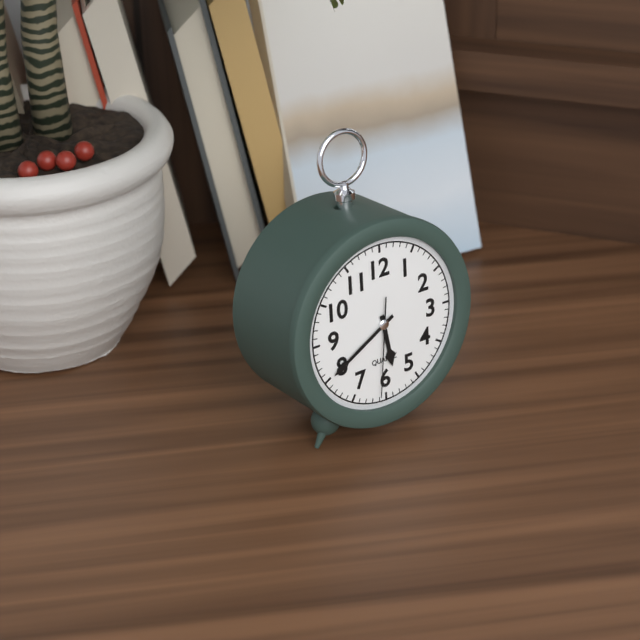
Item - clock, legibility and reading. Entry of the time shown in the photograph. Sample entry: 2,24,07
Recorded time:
5,40,31
